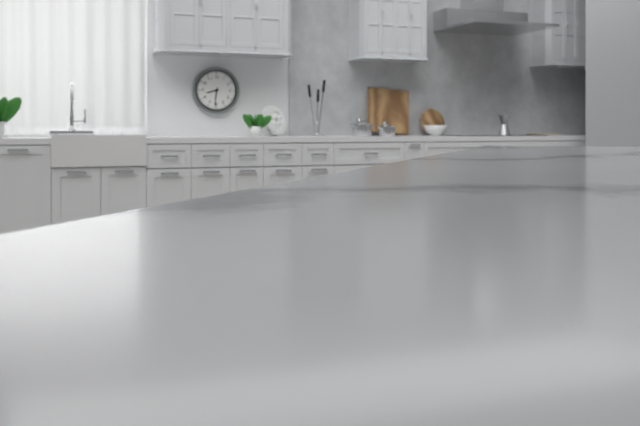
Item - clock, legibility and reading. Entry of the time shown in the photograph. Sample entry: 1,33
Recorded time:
8,31
